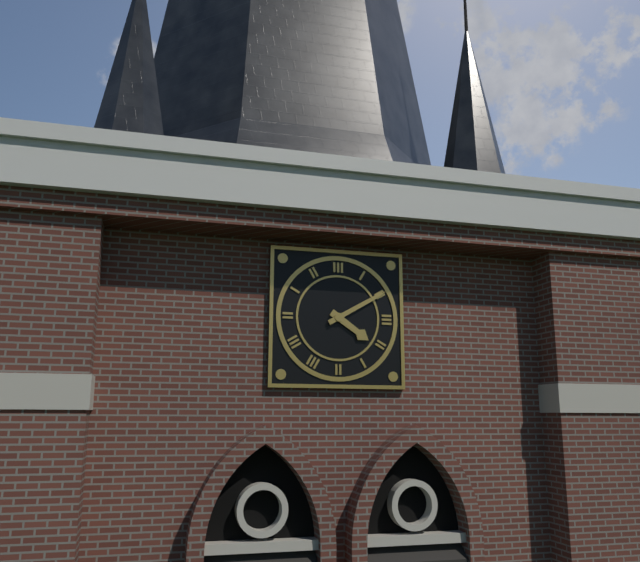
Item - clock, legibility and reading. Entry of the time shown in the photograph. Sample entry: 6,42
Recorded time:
4,10
